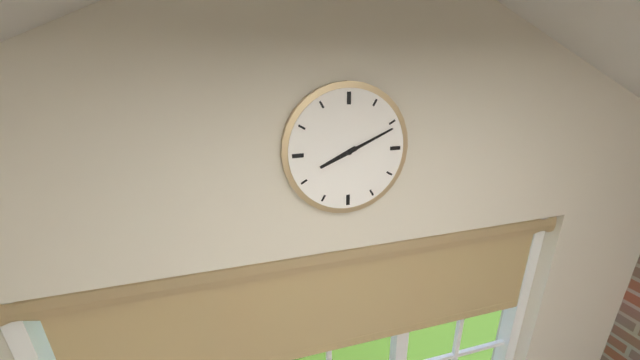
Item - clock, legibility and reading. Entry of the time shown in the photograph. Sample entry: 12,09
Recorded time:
8,11
